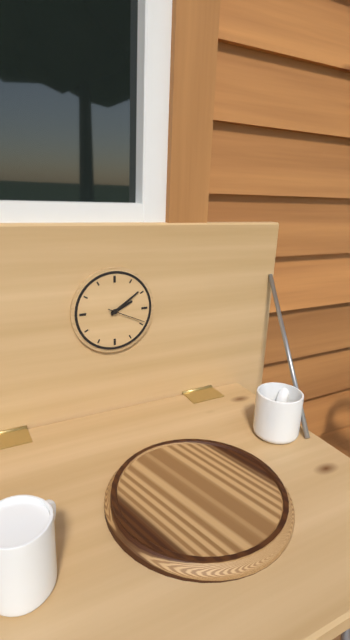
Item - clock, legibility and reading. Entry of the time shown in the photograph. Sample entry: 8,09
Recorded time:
2,09
